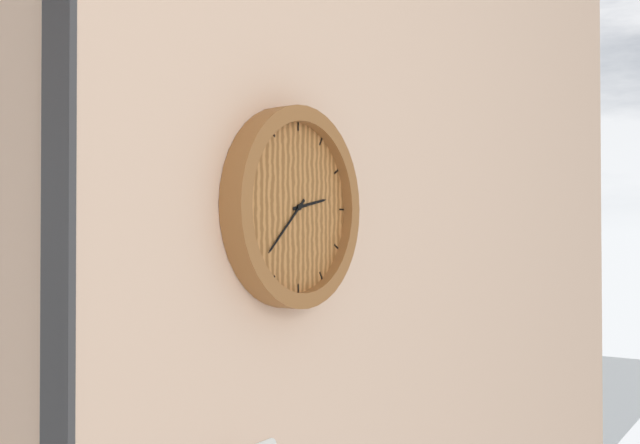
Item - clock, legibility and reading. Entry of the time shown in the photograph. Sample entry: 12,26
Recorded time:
2,38
